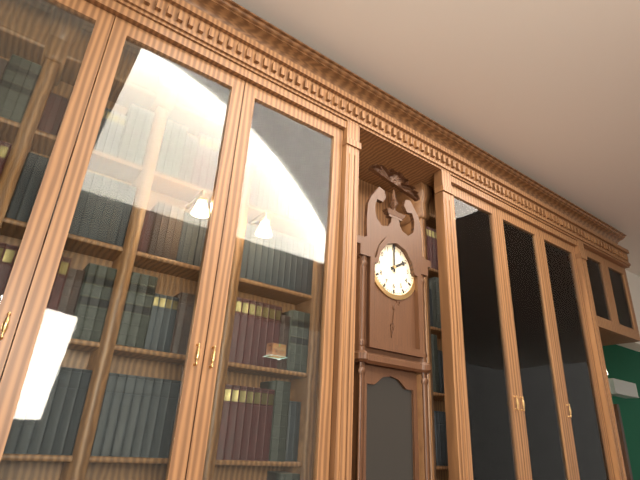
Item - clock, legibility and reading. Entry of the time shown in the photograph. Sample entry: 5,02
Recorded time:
2,00
